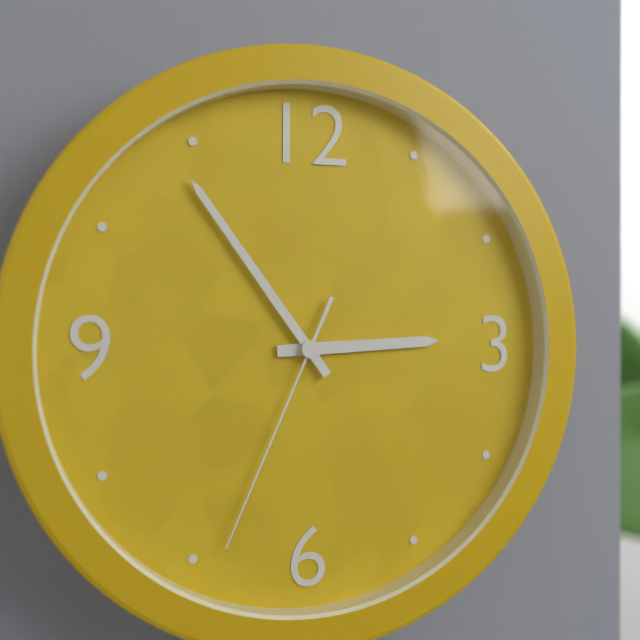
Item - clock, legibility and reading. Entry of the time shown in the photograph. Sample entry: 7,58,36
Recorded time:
2,54,34
